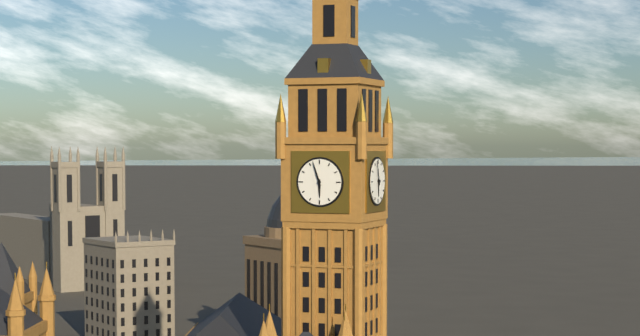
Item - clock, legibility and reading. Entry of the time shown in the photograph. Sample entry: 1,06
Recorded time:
5,57
